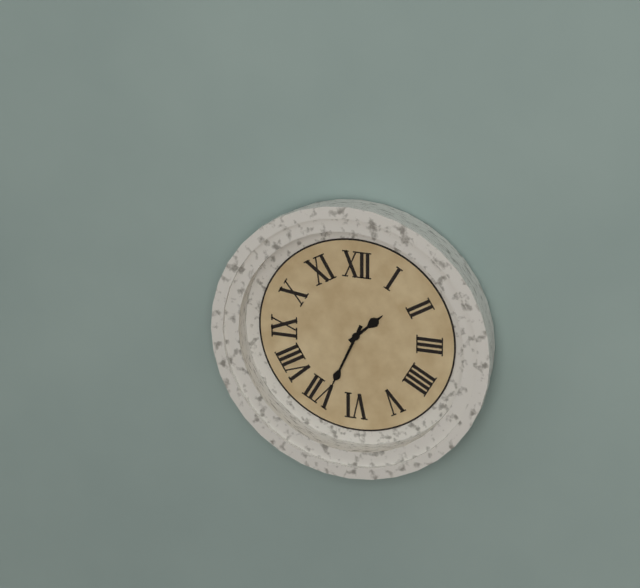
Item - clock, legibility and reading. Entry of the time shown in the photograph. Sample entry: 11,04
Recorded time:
1,34
